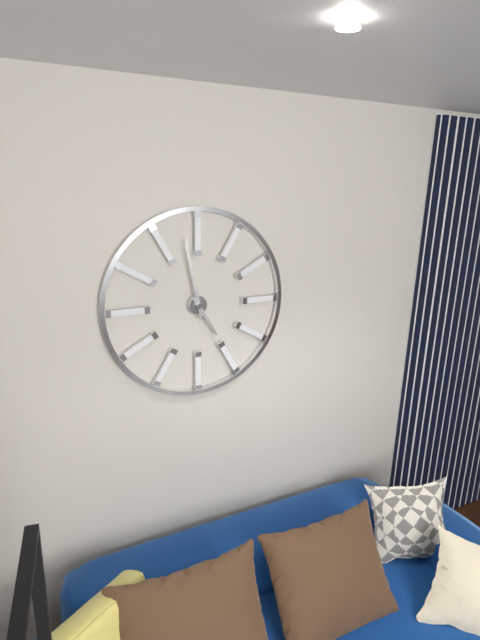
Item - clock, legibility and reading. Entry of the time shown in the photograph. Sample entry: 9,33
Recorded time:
4,58
